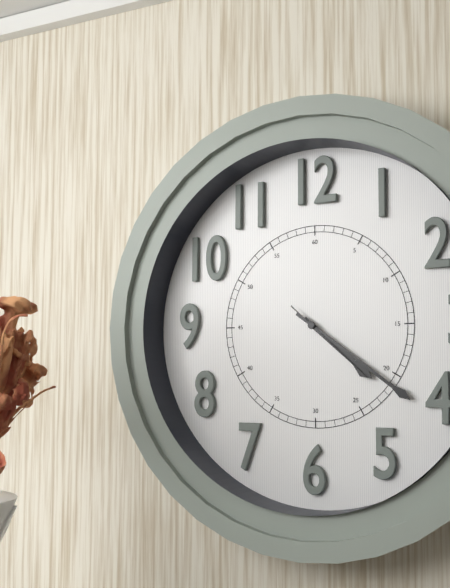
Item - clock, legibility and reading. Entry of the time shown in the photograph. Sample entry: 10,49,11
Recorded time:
4,21,22
